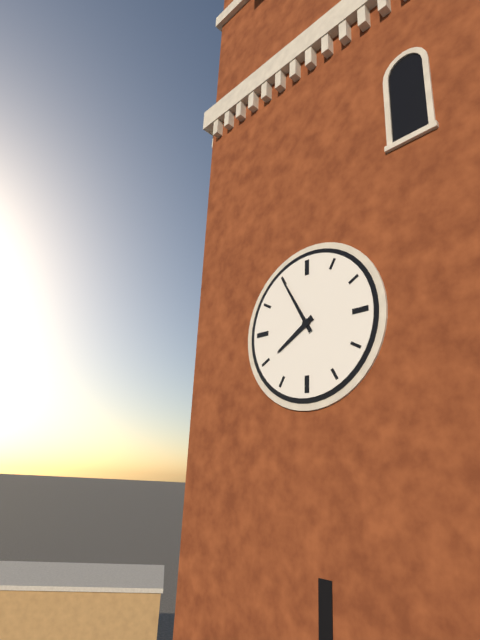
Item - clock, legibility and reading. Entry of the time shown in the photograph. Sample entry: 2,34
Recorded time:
7,55
